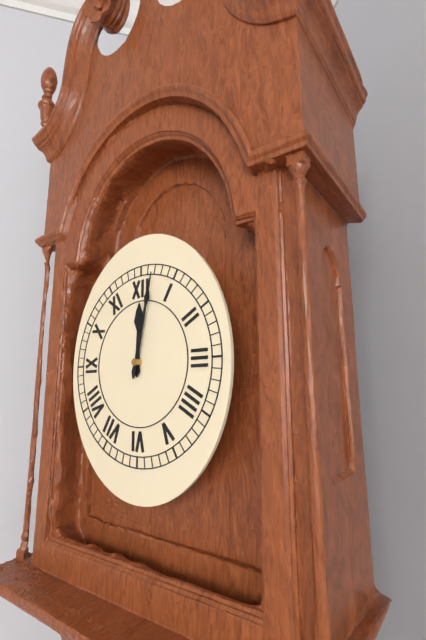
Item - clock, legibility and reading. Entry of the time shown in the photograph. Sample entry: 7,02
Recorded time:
12,02
